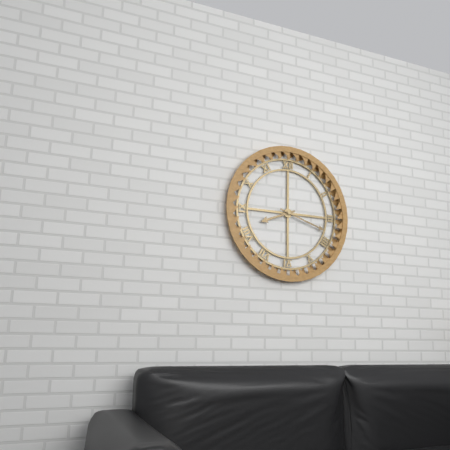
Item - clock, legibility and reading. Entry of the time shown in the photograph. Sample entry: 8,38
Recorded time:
8,18
